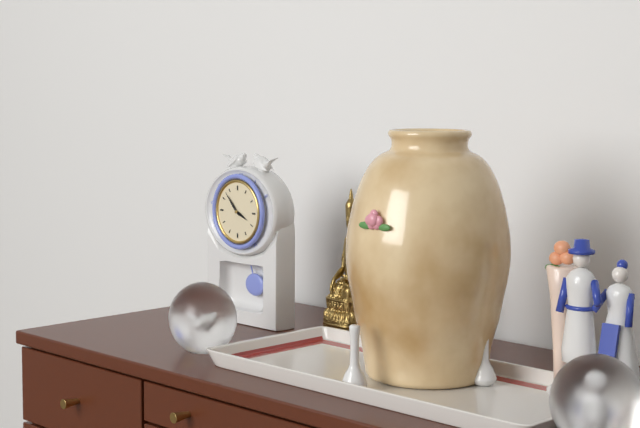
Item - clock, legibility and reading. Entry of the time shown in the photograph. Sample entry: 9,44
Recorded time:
3,53
